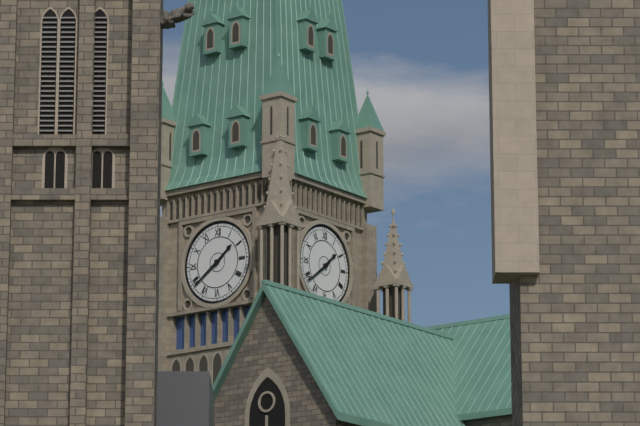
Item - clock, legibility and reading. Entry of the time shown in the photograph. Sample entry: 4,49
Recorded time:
1,39
